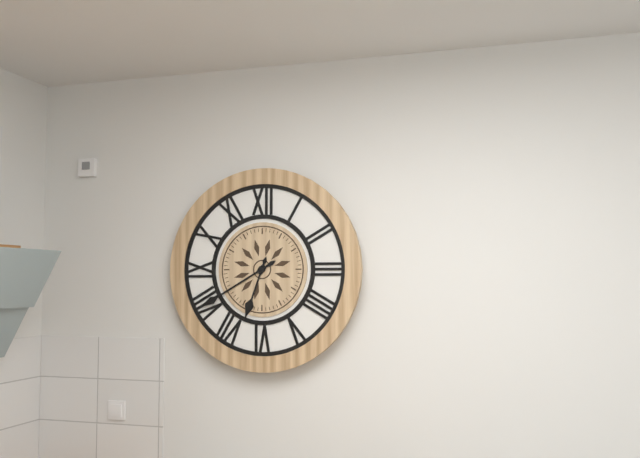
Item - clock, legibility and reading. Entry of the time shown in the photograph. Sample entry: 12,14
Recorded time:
6,40
